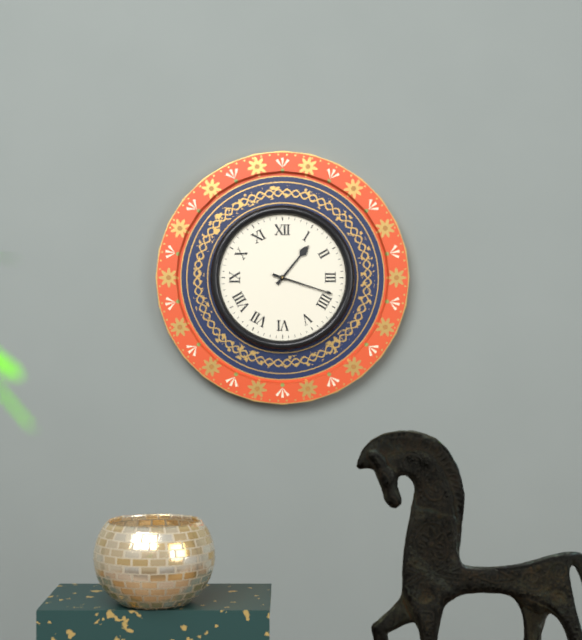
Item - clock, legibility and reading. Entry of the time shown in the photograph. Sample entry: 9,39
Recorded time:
1,18
